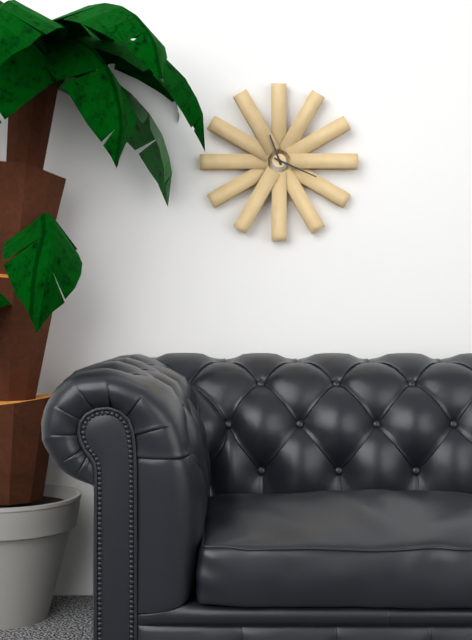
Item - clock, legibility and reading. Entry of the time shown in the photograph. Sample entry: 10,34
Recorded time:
11,19
